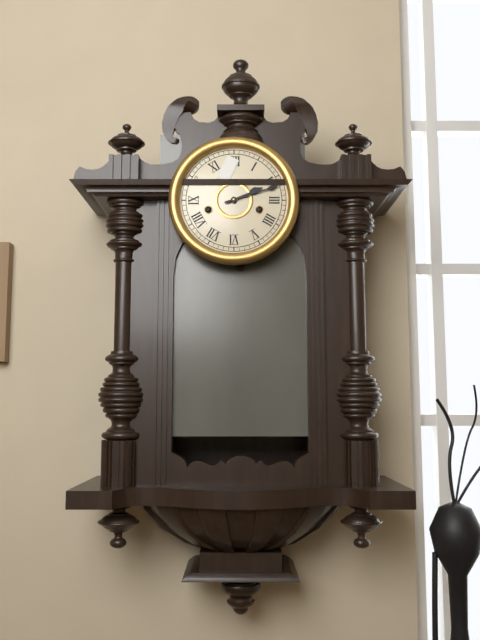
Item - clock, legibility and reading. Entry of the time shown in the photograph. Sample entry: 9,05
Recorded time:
2,12
